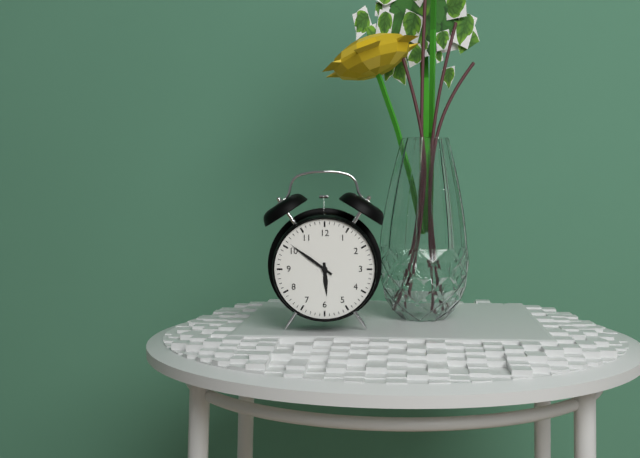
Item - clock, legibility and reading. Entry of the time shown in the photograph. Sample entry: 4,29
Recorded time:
5,51
